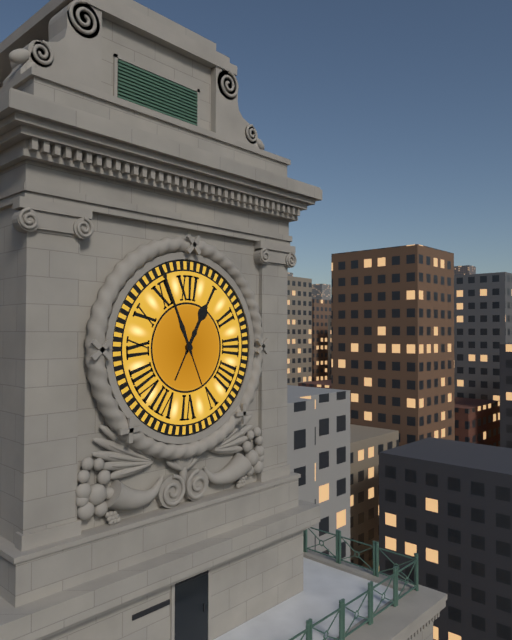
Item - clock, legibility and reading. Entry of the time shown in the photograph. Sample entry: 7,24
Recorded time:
12,56
